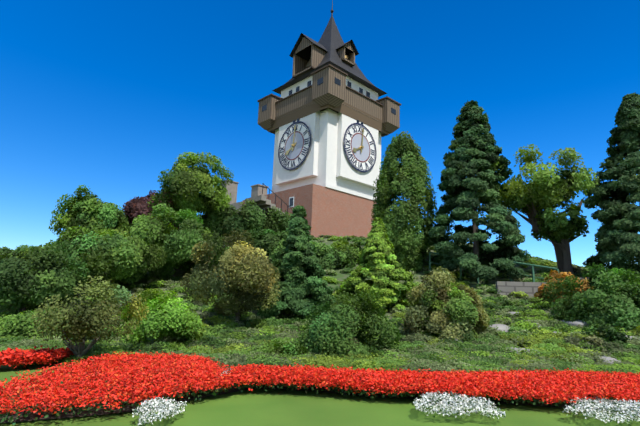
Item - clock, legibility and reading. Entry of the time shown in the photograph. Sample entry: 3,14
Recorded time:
8,01
